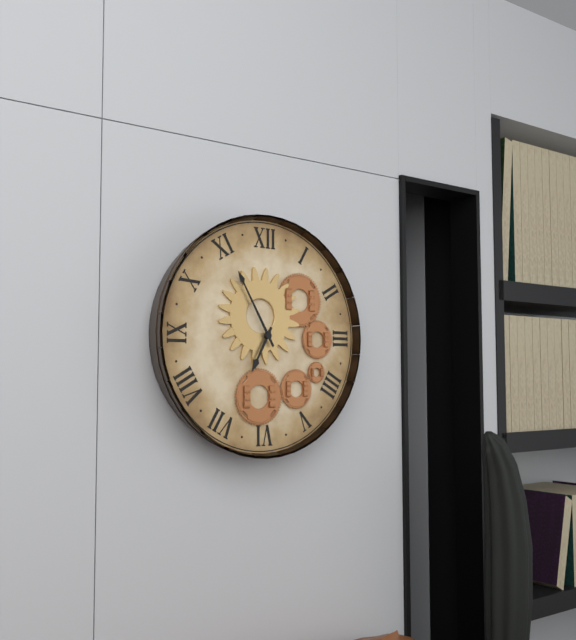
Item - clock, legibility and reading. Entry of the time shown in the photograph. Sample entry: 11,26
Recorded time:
6,55
